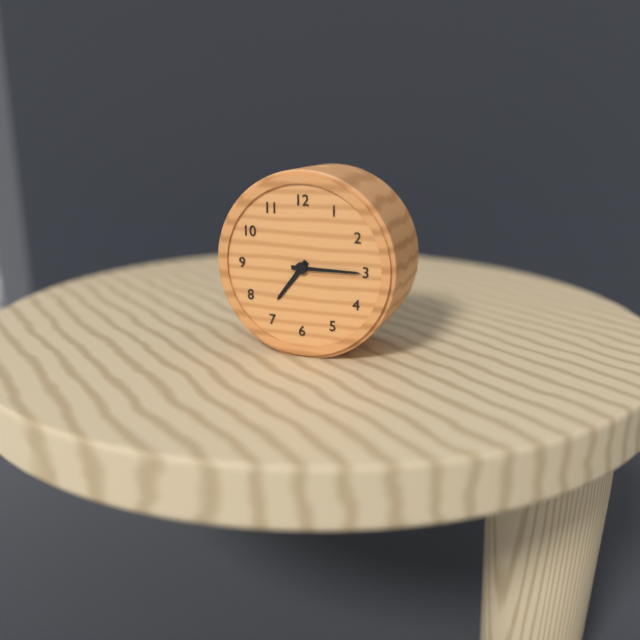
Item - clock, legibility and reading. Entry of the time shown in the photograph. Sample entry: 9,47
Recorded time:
7,15
